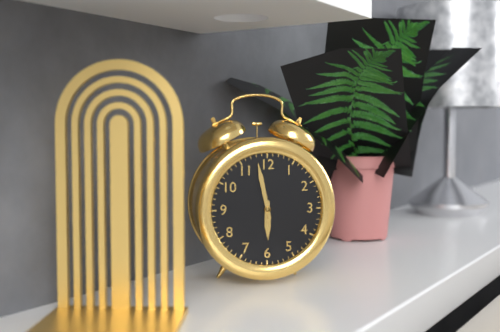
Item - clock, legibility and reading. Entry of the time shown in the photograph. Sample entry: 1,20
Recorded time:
5,58
